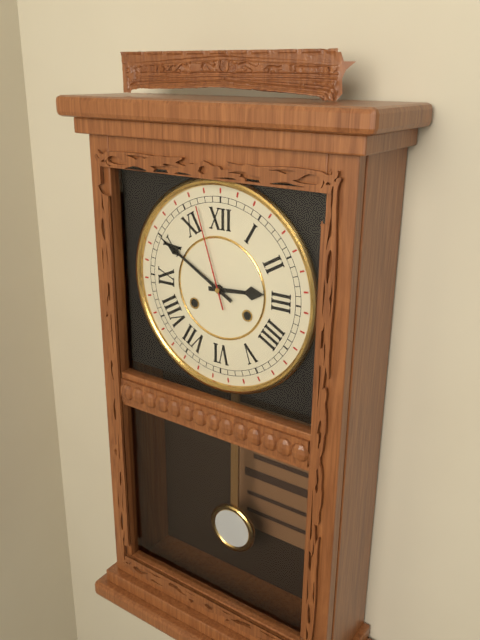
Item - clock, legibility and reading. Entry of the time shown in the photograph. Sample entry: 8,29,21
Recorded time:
2,50,57
